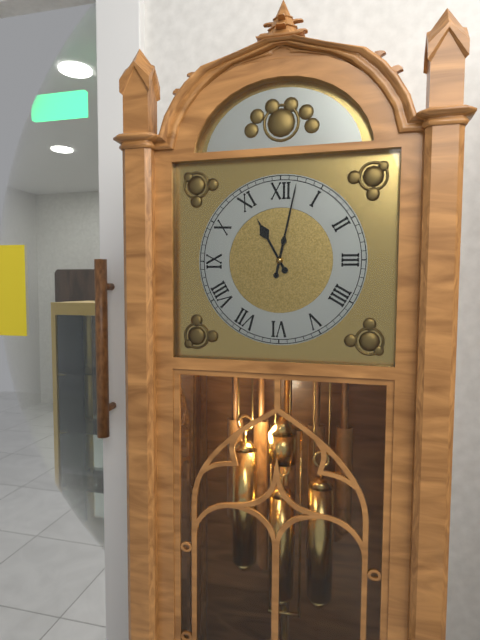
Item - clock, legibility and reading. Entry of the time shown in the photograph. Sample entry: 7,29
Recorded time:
11,02
